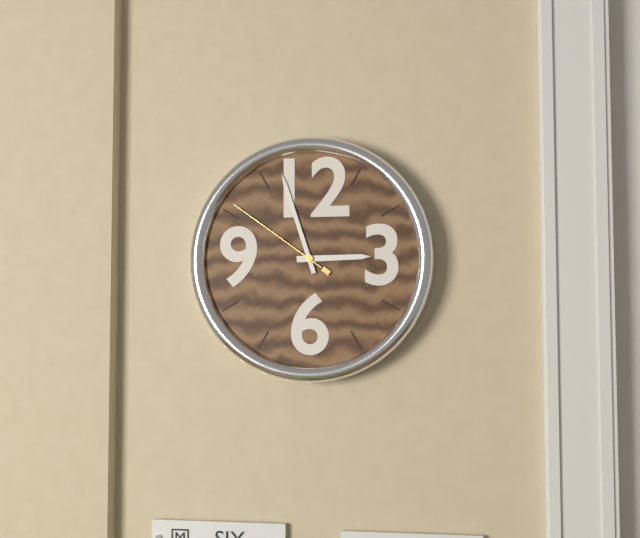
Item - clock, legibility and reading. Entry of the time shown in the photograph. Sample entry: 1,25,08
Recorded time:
2,57,51
